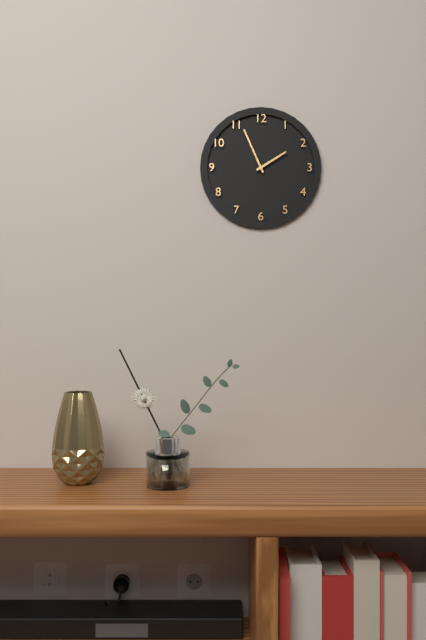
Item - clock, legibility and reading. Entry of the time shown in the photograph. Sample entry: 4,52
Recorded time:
1,56
